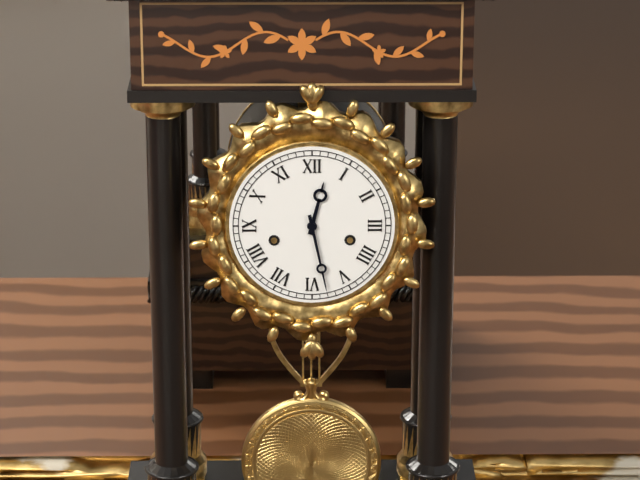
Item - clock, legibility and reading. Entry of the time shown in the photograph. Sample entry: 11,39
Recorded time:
12,28
